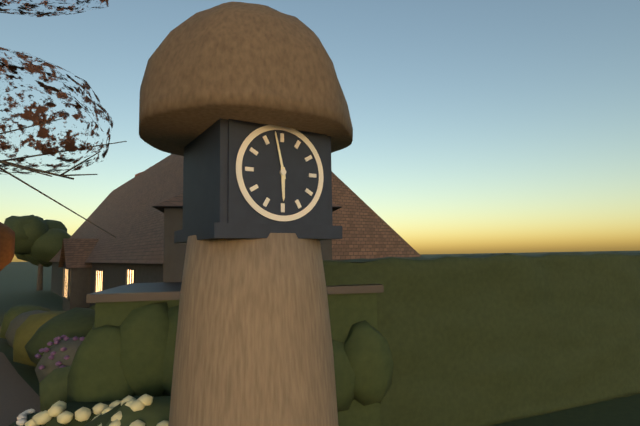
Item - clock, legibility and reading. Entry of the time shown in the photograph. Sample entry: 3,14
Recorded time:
5,58
